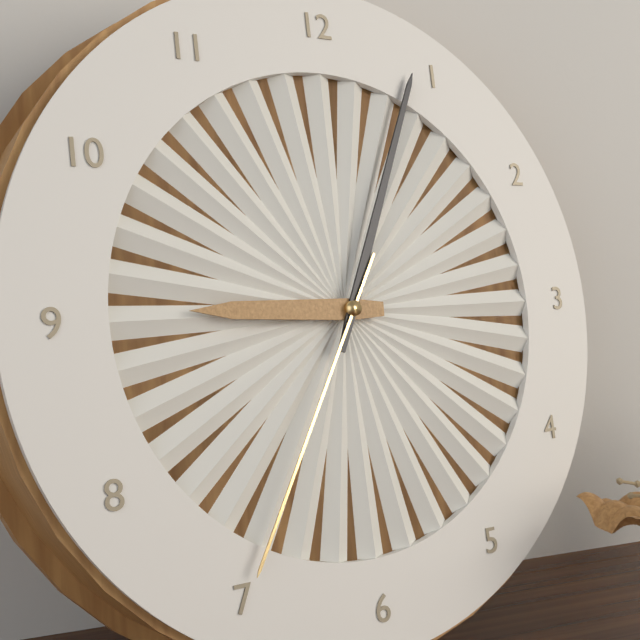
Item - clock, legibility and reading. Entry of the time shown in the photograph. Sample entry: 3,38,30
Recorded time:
9,04,35
